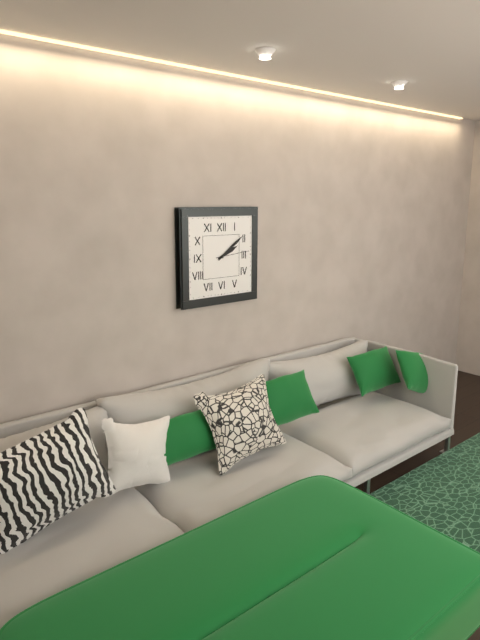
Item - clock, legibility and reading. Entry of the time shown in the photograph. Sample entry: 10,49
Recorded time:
2,09
